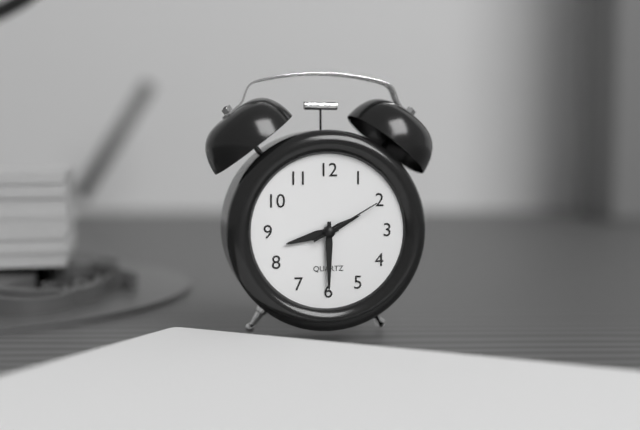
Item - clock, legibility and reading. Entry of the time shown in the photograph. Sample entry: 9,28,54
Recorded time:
8,30,10
